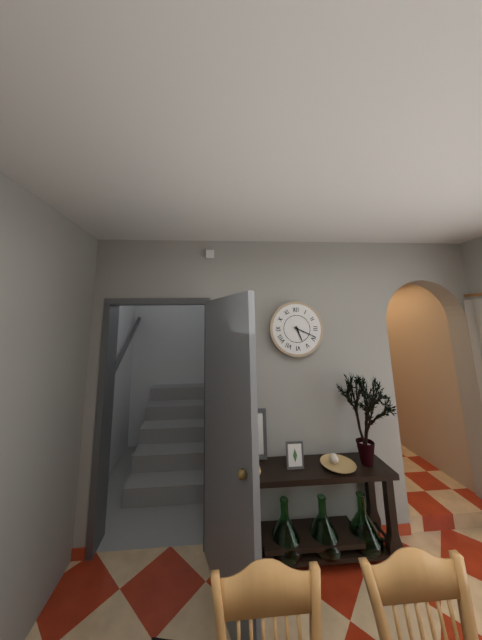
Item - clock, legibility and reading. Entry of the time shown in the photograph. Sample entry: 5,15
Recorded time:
5,19
